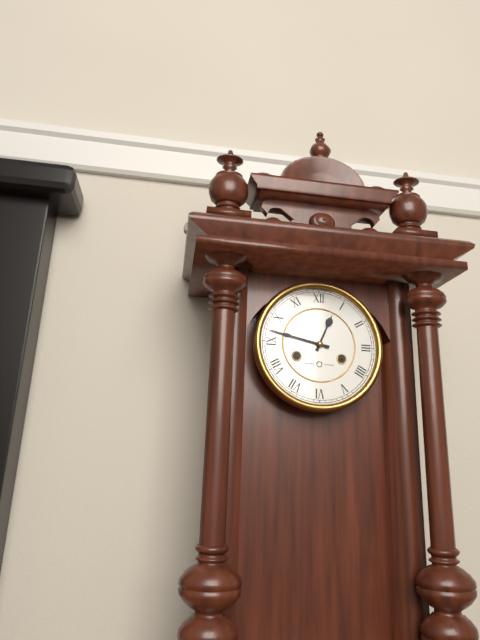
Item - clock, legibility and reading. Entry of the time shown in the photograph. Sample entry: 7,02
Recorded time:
12,47
